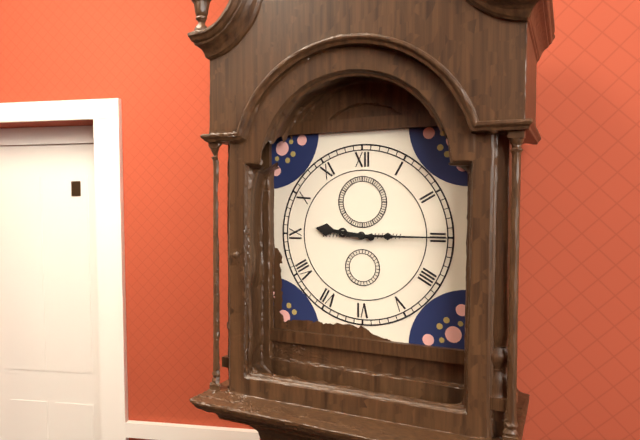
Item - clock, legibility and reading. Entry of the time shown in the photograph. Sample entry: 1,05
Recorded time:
9,15
